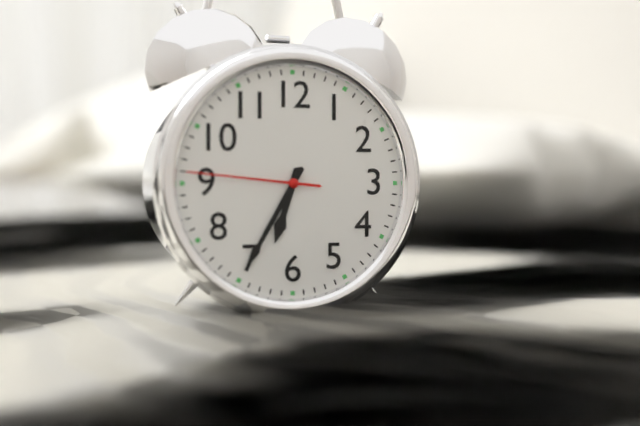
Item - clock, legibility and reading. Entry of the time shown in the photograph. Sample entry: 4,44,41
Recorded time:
6,35,46
